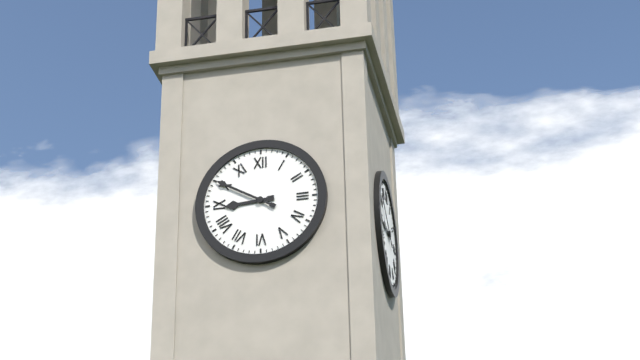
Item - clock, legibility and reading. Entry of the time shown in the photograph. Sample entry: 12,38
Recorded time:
8,50
